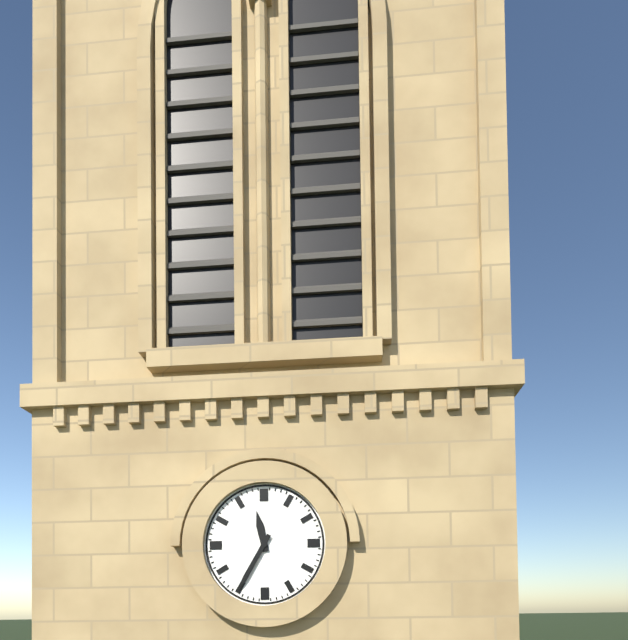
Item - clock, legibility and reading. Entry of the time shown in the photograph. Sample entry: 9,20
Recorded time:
11,35
